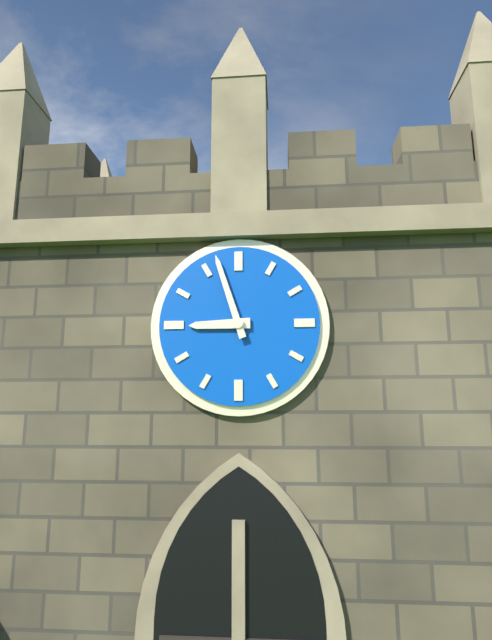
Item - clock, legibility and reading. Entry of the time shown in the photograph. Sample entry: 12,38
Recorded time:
8,57
